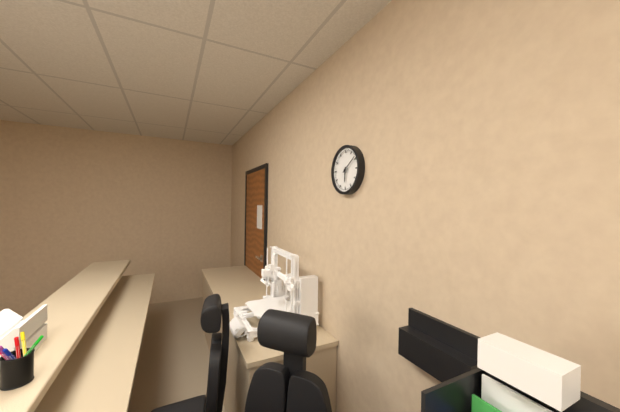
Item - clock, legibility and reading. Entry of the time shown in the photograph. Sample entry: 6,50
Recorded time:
6,09
